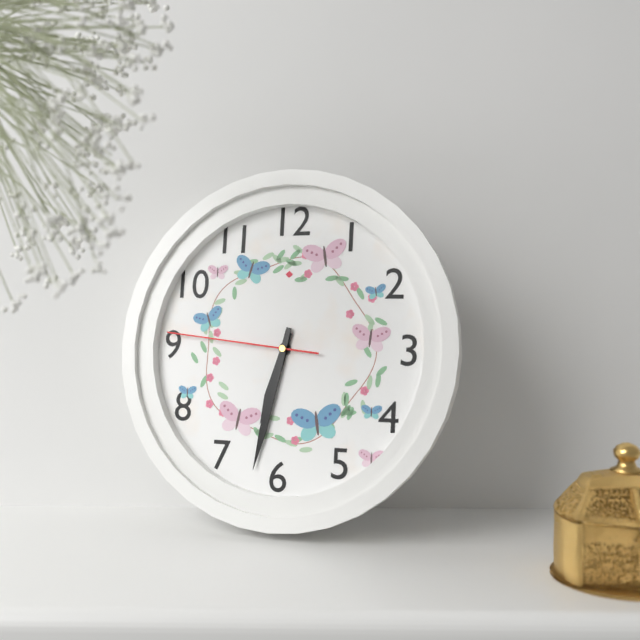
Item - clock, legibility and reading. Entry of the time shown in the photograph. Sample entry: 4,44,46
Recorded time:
6,32,46
